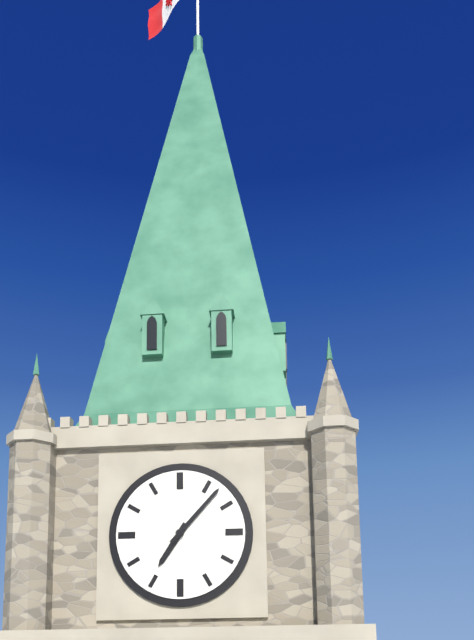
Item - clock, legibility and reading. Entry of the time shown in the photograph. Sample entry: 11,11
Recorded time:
7,07
